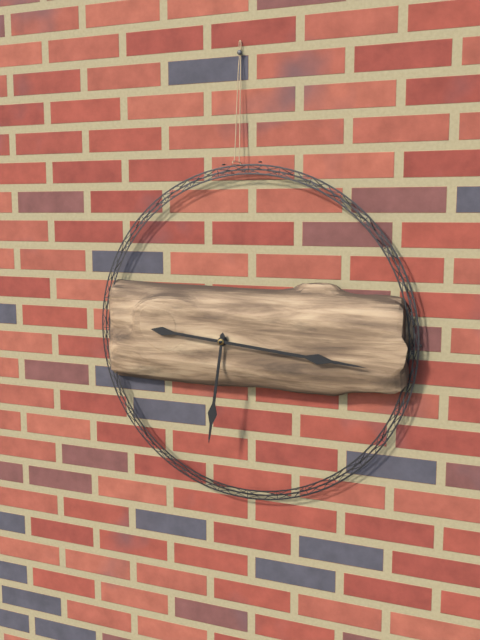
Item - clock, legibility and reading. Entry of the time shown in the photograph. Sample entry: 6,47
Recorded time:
6,16
